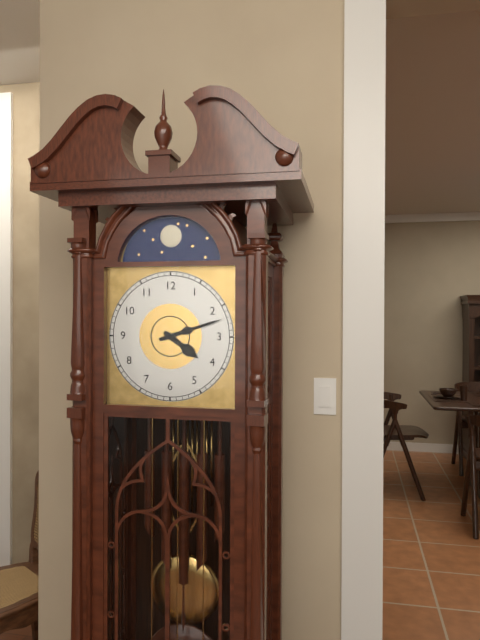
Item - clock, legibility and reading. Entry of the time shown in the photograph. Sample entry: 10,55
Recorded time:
4,12
